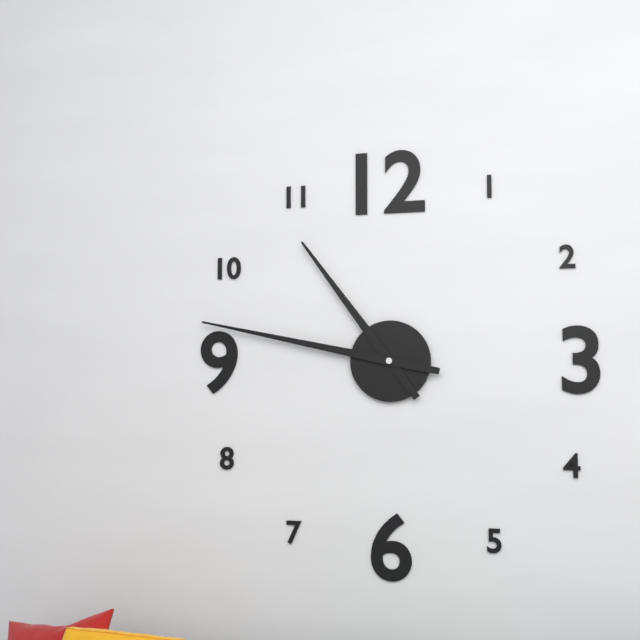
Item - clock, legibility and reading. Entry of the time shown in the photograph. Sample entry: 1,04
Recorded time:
10,47
